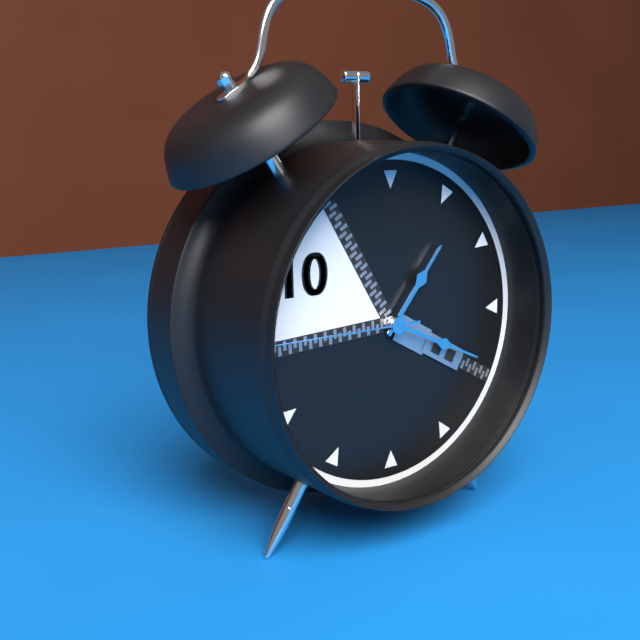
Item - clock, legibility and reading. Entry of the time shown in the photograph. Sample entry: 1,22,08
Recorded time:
1,19,45
